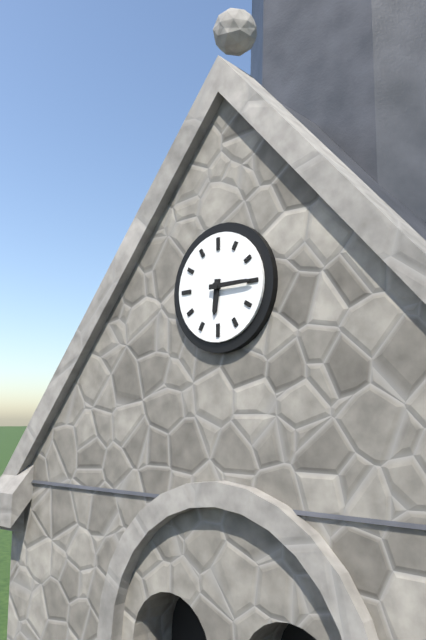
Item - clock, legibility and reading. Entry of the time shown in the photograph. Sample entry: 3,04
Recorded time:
6,15
